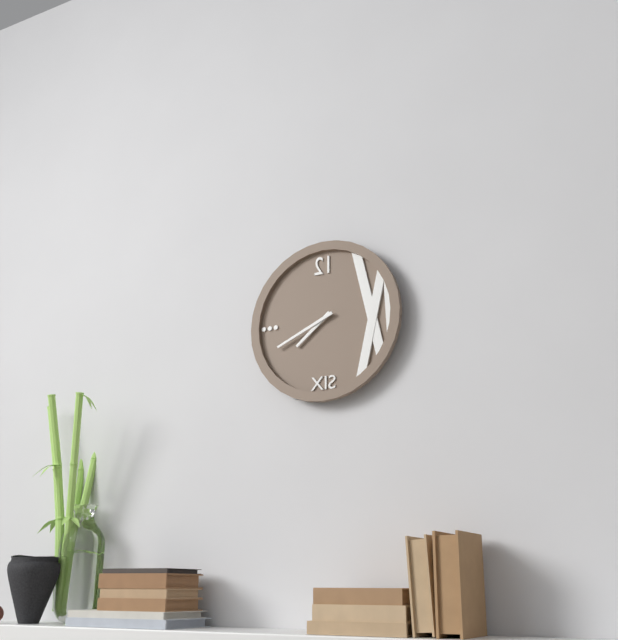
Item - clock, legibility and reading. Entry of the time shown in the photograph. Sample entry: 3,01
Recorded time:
7,41
